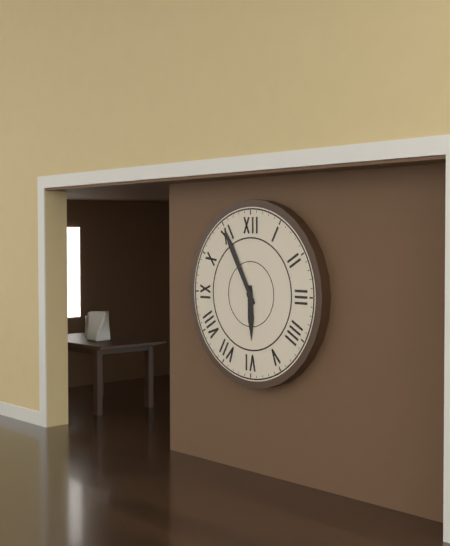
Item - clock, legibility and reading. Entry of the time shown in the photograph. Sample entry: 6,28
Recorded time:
5,55
